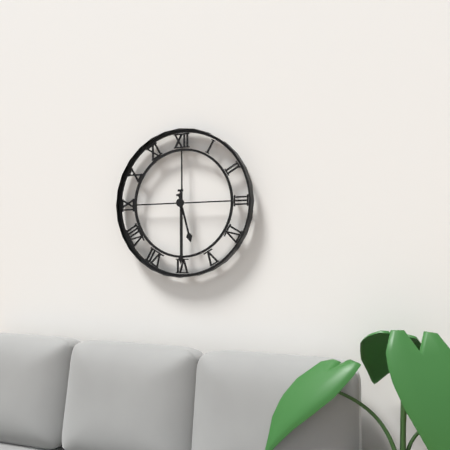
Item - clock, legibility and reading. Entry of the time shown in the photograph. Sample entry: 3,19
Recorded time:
5,30
